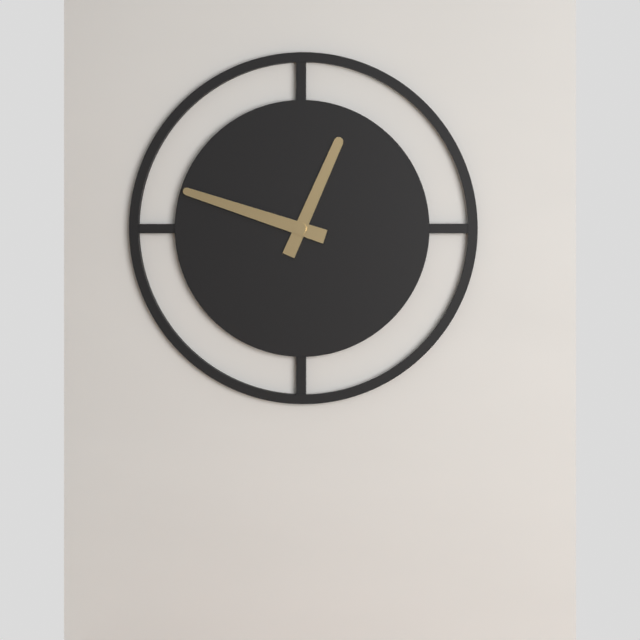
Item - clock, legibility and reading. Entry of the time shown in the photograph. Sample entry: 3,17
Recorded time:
12,48
